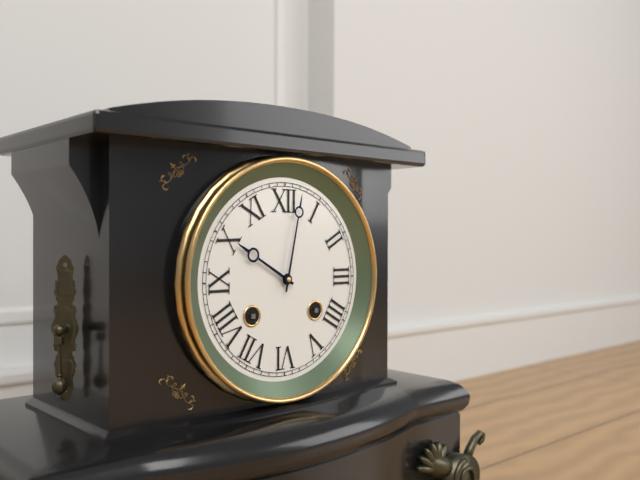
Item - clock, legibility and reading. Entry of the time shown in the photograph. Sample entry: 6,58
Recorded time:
10,02
